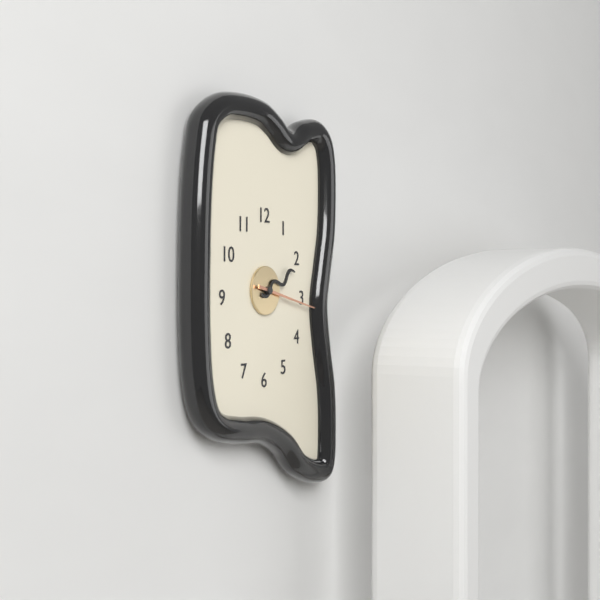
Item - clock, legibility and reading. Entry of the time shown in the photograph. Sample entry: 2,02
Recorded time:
2,17
